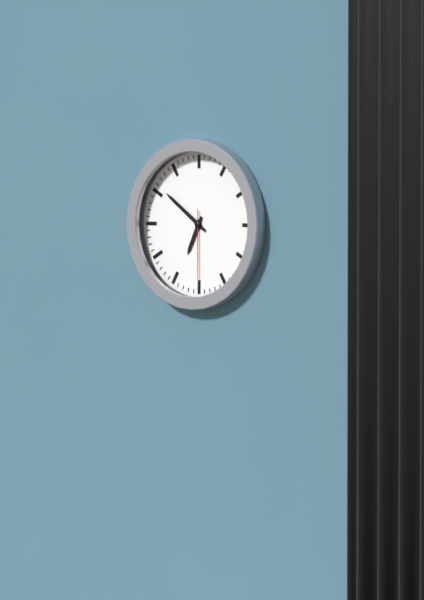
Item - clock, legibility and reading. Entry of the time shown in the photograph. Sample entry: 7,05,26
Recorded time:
6,51,30
